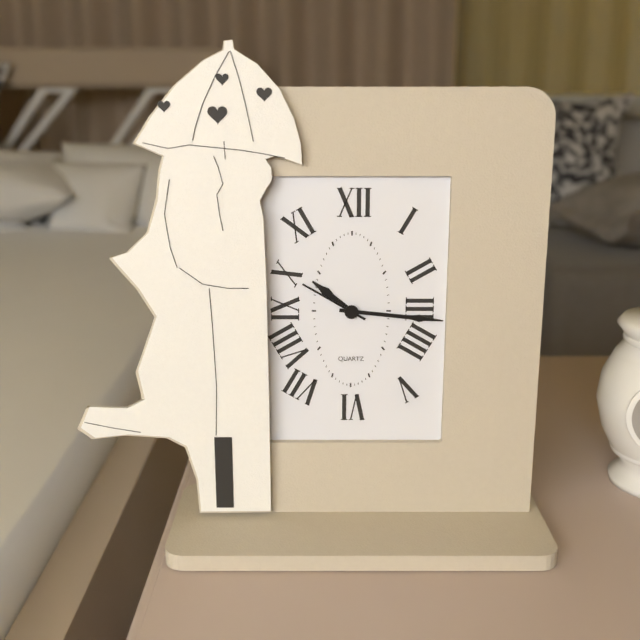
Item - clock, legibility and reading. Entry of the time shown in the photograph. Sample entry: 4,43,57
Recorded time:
10,16,50
